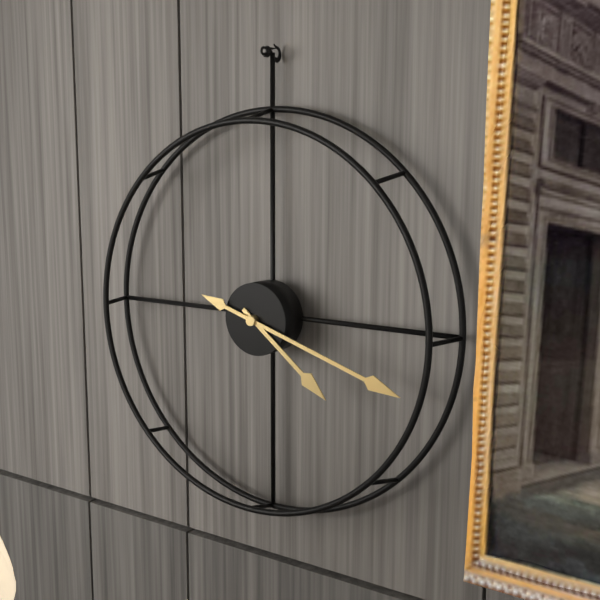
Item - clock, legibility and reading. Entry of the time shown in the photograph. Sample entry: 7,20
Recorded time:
4,18
